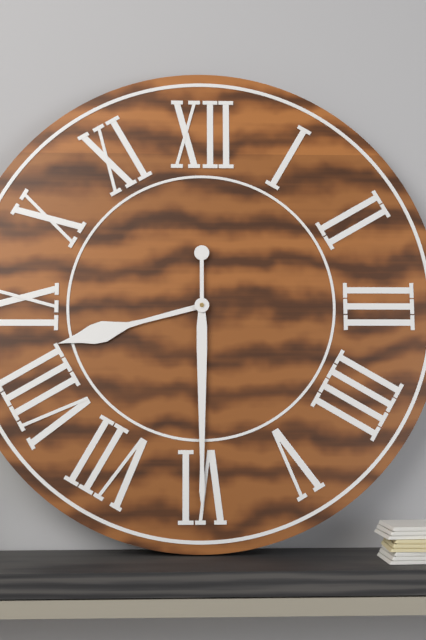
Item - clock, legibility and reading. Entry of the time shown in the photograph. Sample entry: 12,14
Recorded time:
8,30
